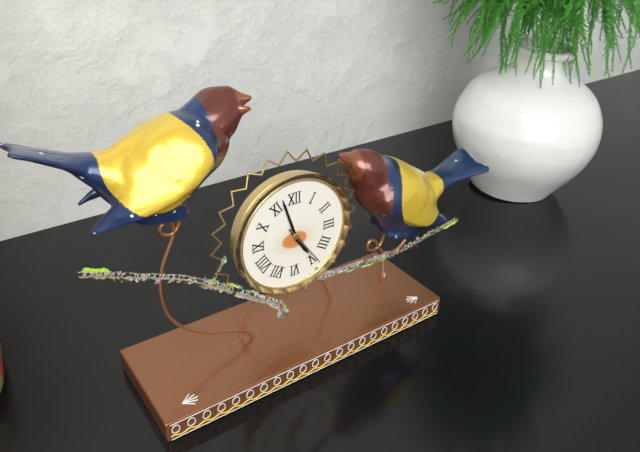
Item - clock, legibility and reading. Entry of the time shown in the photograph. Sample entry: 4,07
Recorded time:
4,57
